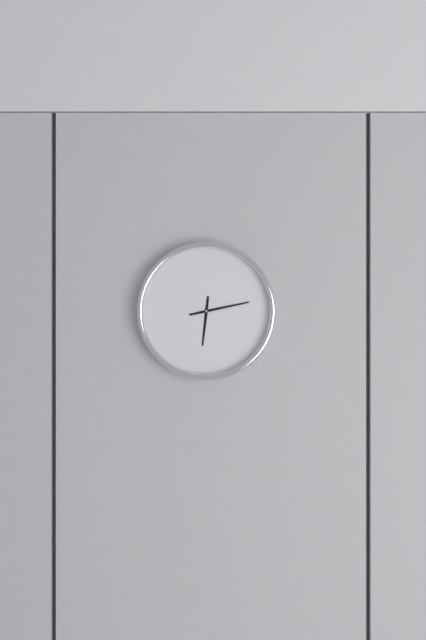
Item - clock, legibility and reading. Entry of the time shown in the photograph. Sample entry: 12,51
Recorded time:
6,13
